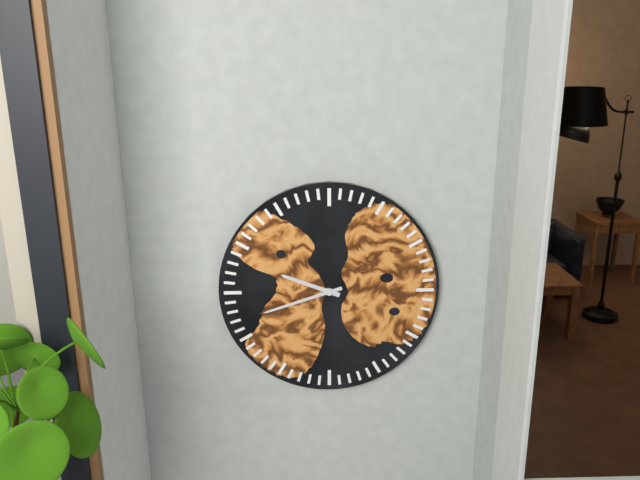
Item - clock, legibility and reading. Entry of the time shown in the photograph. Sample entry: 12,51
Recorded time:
9,42
